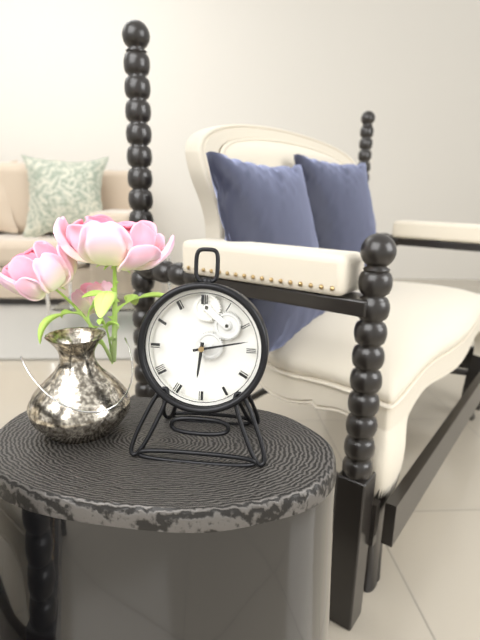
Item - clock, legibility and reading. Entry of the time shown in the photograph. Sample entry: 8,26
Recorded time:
6,13
